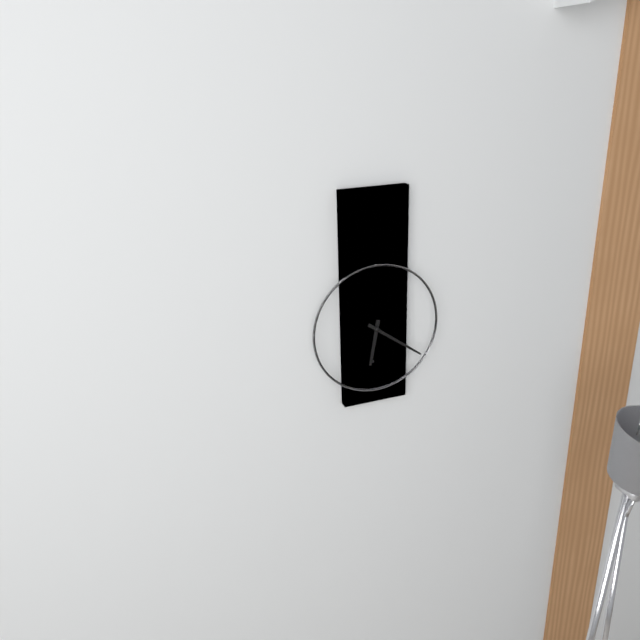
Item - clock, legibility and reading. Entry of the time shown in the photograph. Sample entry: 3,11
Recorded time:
6,21
